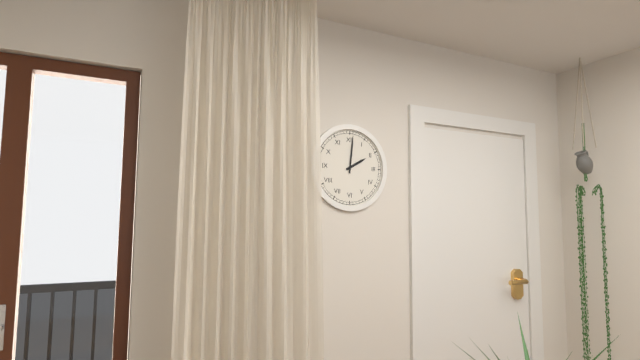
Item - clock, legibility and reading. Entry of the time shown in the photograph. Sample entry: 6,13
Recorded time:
2,01
